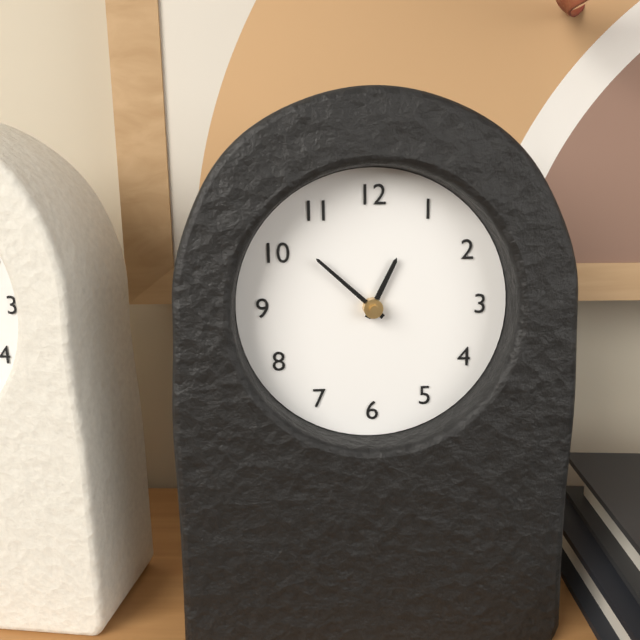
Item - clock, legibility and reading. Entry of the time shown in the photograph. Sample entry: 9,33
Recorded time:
12,52
